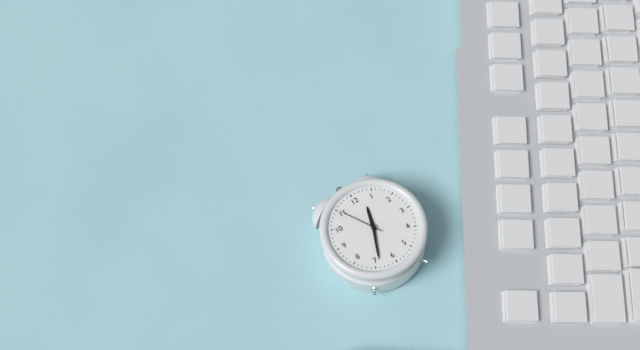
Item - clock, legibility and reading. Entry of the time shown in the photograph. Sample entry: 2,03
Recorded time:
12,34
